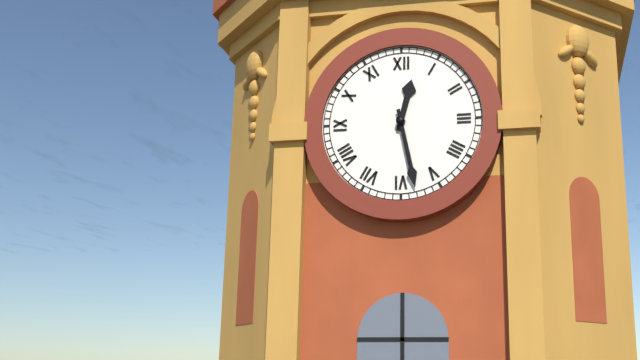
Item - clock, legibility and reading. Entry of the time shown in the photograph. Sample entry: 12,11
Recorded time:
12,28
